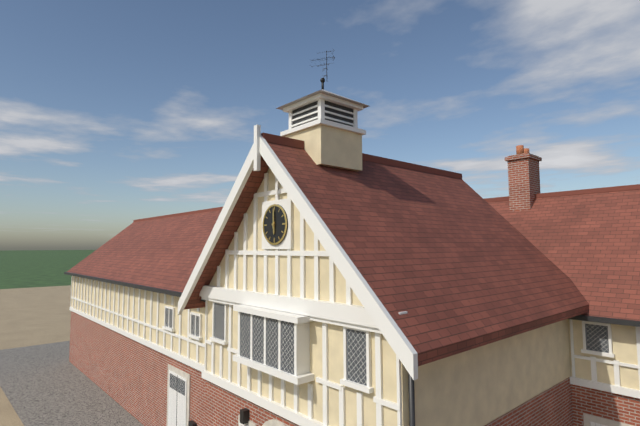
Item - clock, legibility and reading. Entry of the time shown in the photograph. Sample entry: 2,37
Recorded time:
6,00
